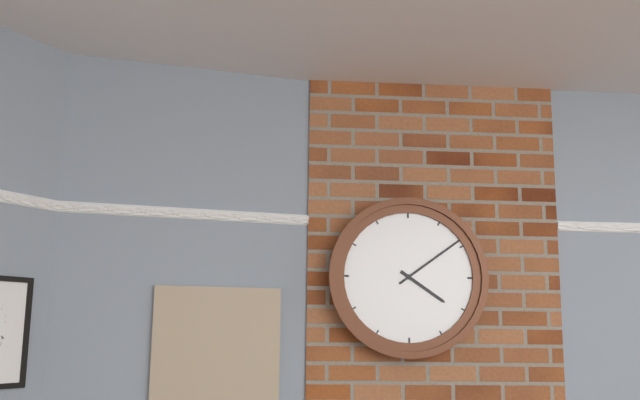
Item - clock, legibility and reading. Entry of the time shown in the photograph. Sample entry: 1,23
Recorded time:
4,09
